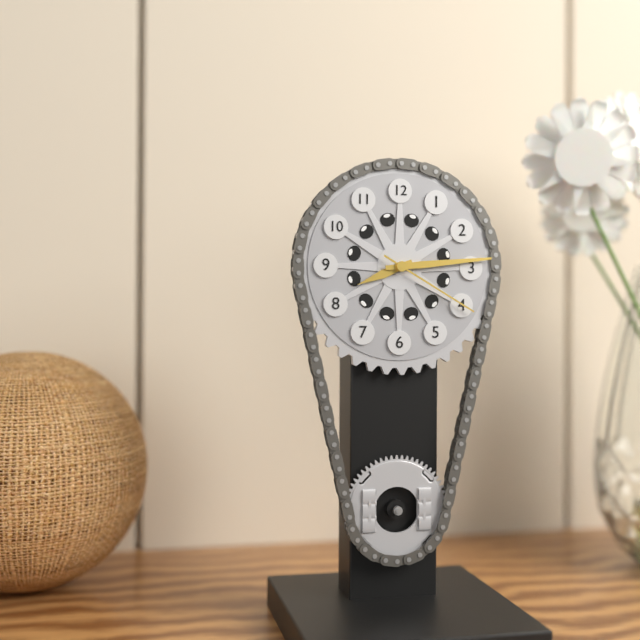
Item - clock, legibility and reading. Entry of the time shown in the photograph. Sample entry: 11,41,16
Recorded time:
8,14,20
